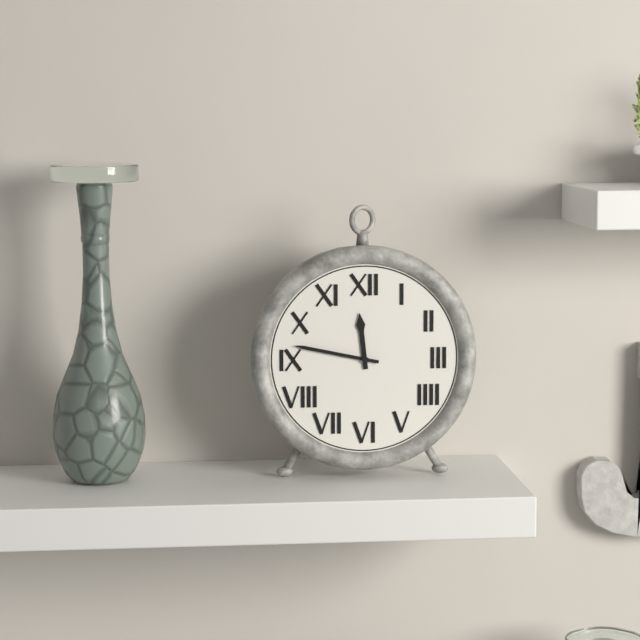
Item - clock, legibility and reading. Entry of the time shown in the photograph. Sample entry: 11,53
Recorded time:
11,47
